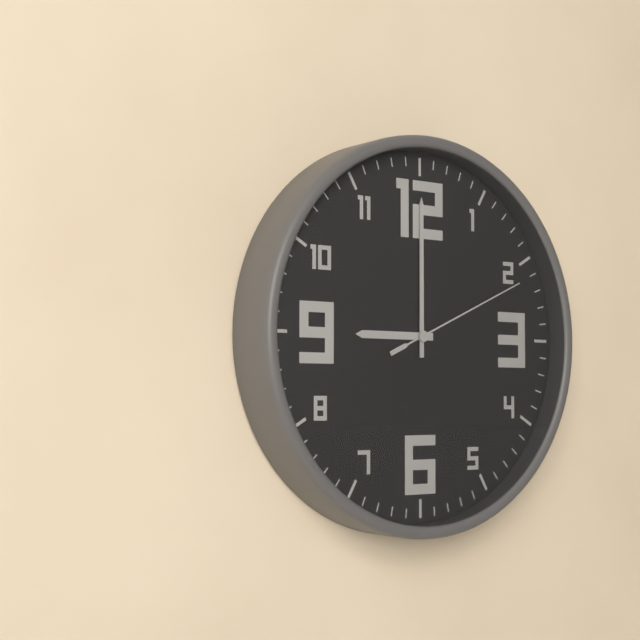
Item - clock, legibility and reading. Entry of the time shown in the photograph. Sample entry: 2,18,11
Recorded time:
9,00,11
